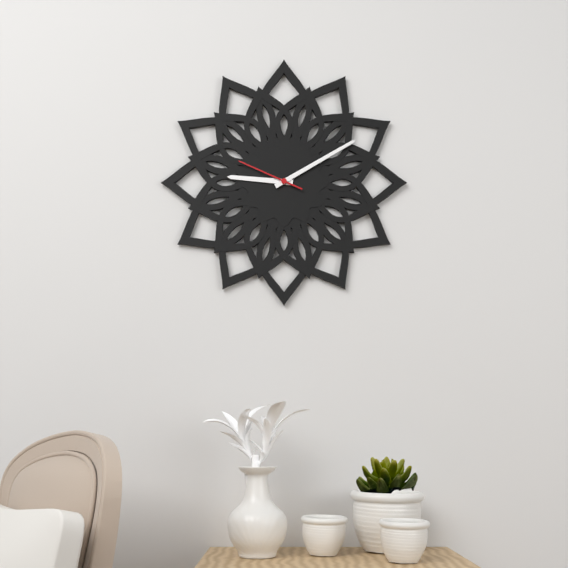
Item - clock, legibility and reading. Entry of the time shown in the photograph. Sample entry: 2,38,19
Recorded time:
9,10,49
